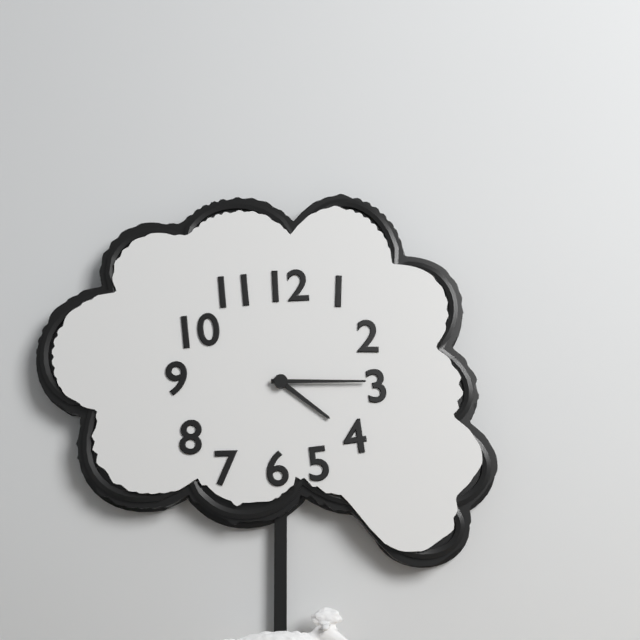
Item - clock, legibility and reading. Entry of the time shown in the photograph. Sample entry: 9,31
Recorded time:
4,15
